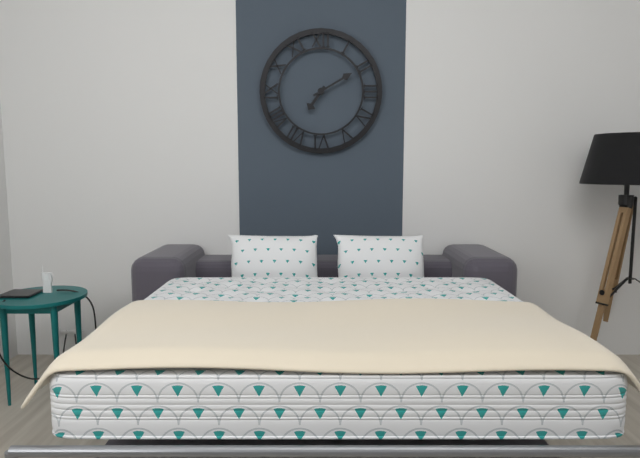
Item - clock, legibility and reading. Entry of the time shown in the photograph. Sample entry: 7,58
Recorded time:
7,10
